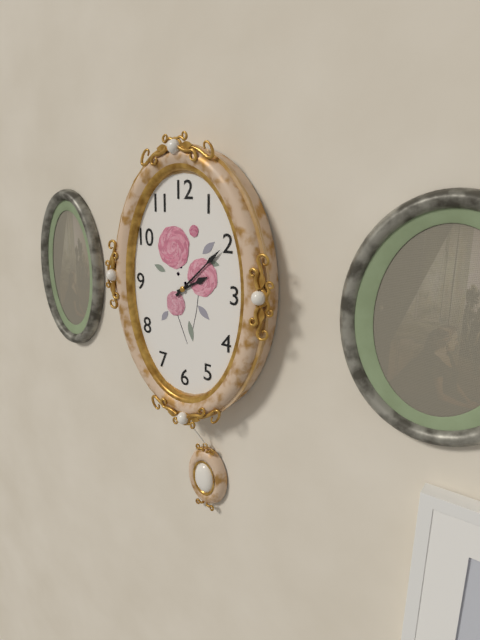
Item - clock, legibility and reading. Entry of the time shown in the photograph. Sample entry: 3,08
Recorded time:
2,08
